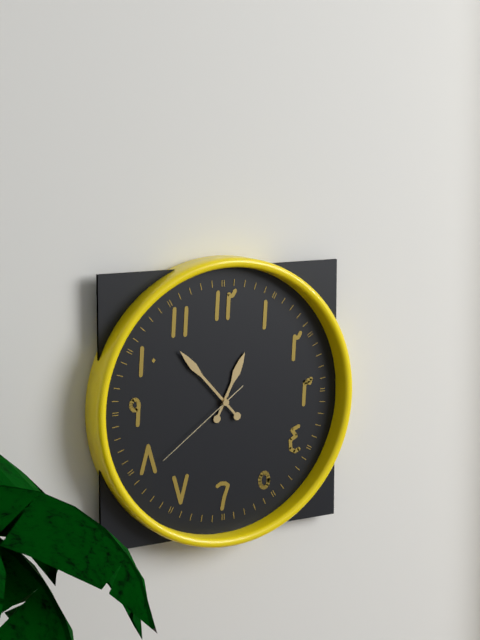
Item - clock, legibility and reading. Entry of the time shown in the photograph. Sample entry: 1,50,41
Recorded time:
12,53,39
